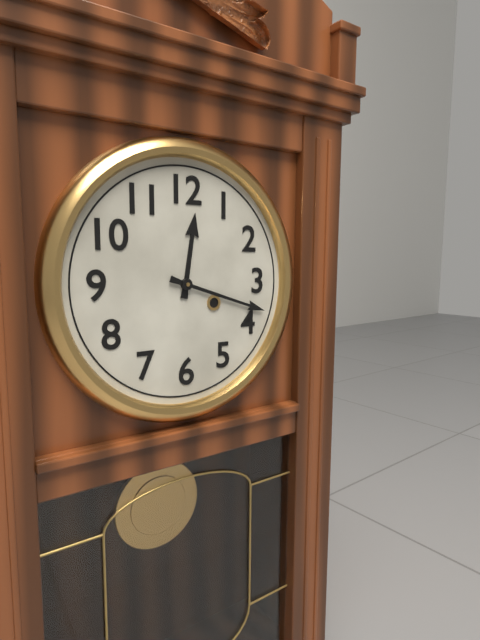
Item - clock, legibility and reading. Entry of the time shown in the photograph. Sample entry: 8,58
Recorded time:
12,18
